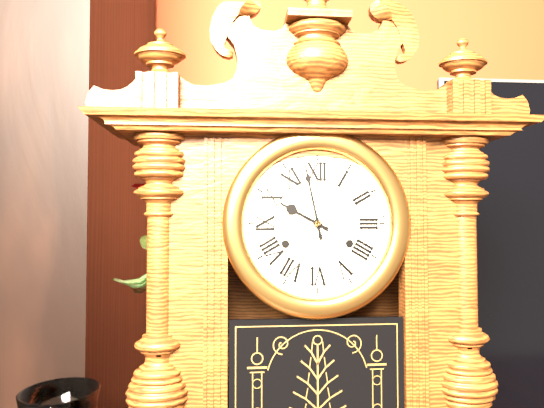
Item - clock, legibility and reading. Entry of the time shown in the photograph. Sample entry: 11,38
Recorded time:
9,58
